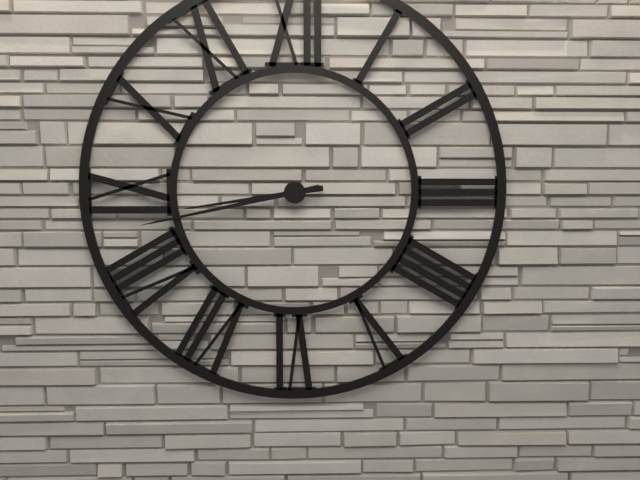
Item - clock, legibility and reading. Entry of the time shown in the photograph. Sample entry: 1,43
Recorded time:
8,43
